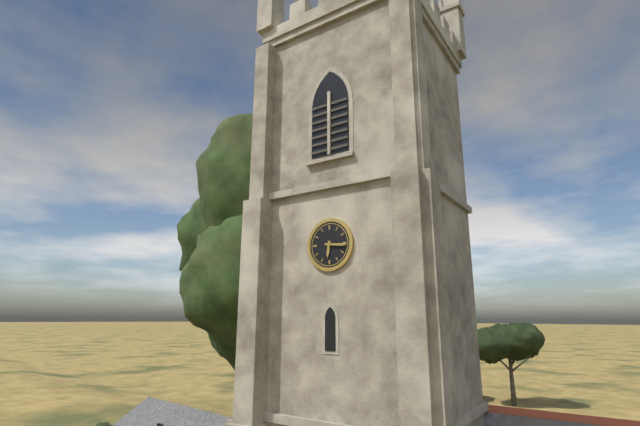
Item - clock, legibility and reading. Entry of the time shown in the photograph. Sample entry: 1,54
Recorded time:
6,16
